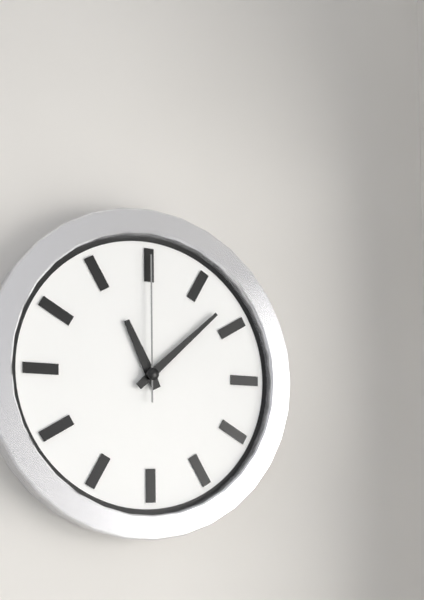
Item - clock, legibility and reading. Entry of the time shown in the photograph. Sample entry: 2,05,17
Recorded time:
11,08,00
